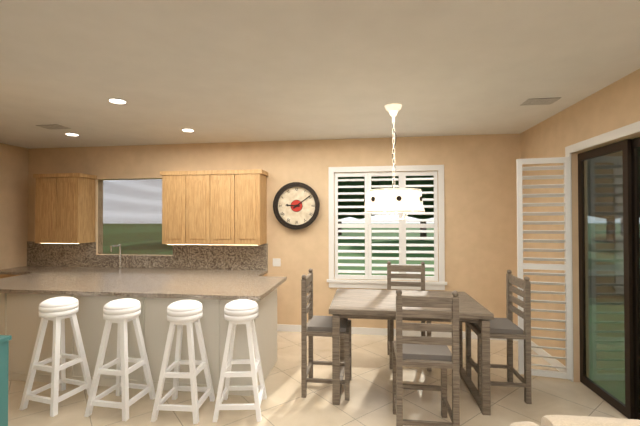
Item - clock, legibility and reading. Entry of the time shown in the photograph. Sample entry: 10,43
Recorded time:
9,09
